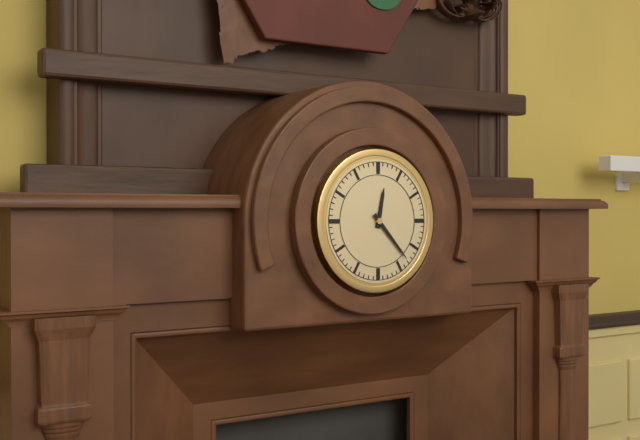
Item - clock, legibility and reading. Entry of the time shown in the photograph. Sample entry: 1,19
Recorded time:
12,23
